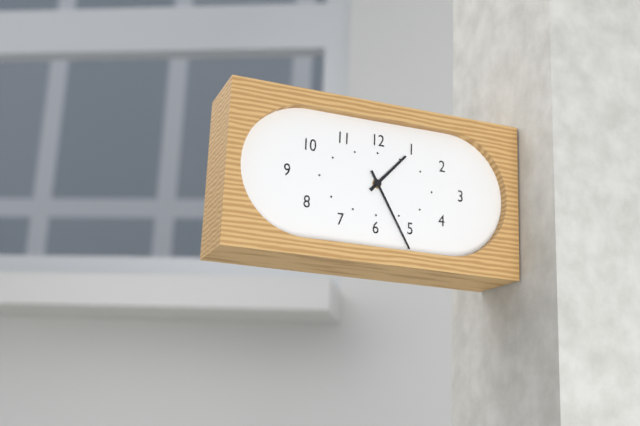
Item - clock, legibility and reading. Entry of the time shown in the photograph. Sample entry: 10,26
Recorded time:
1,25
